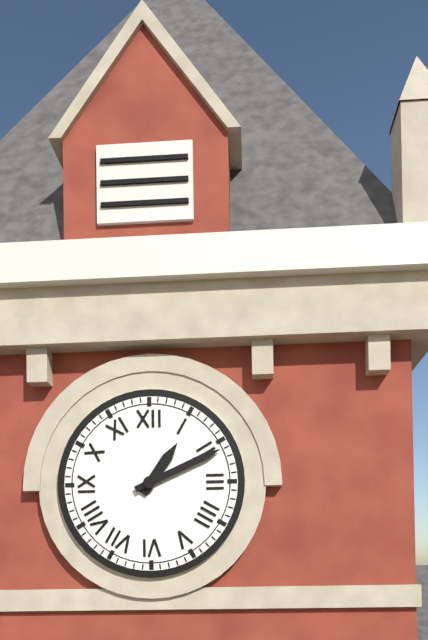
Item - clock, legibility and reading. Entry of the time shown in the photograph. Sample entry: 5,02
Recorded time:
1,11
